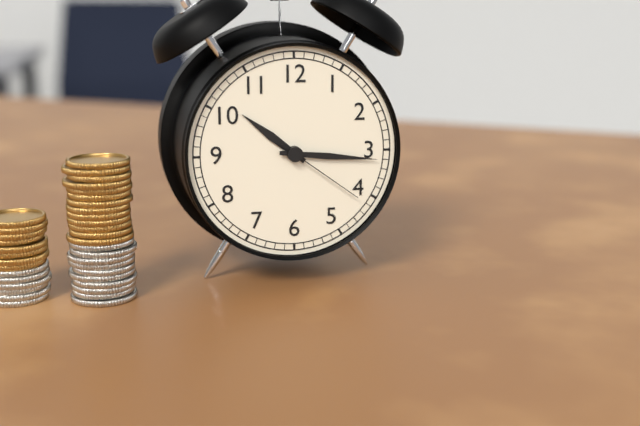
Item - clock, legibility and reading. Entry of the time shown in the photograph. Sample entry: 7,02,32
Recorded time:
10,16,21
